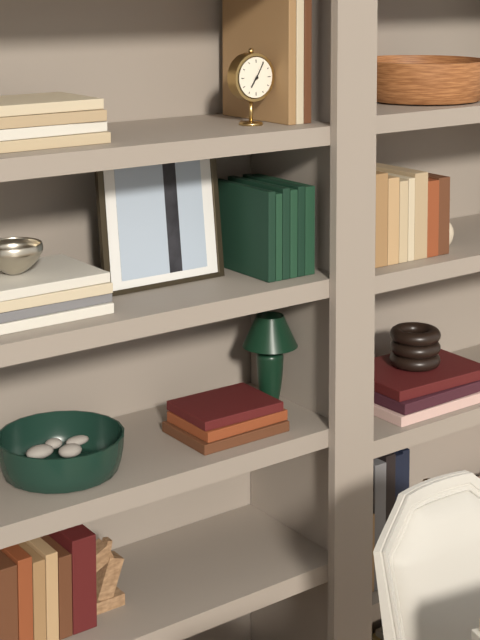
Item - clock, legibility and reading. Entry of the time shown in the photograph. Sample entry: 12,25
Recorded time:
7,05
